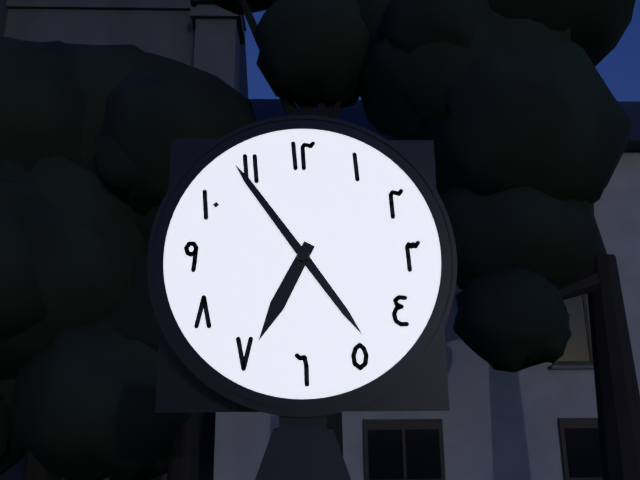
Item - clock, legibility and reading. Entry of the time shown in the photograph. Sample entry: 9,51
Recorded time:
6,54
